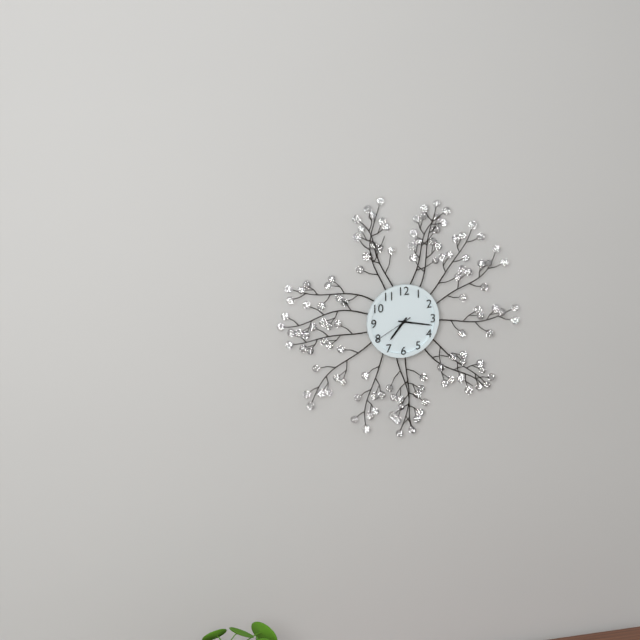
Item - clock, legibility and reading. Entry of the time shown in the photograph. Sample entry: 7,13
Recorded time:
7,17
